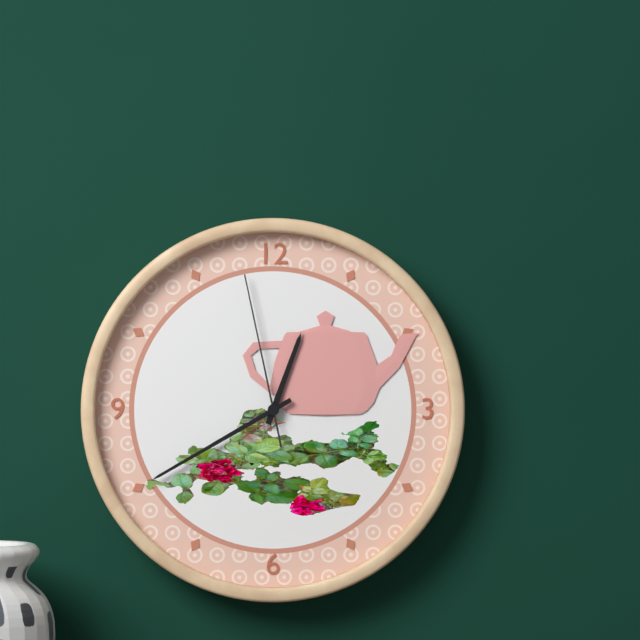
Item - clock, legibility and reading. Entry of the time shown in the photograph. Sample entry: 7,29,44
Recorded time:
12,40,58
